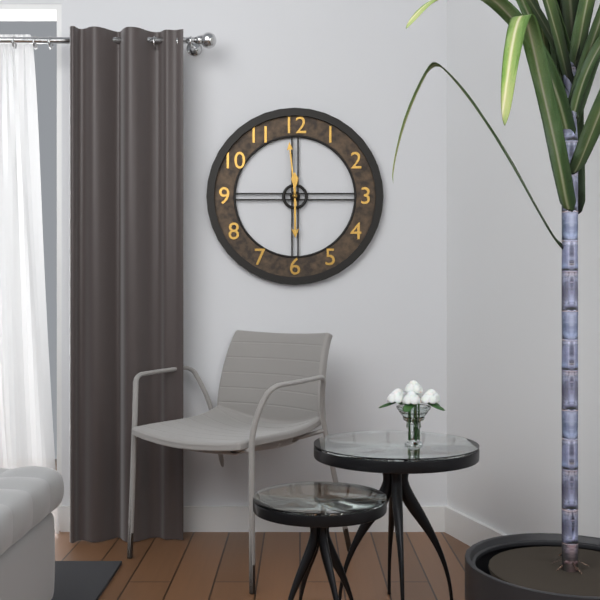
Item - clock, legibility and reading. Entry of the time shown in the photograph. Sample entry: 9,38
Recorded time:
5,59
